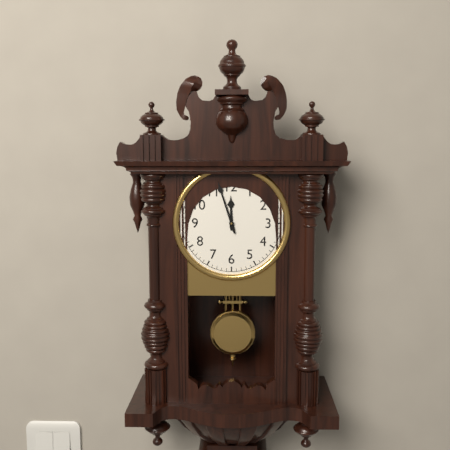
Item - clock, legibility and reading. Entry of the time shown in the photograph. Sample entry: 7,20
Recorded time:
11,57
